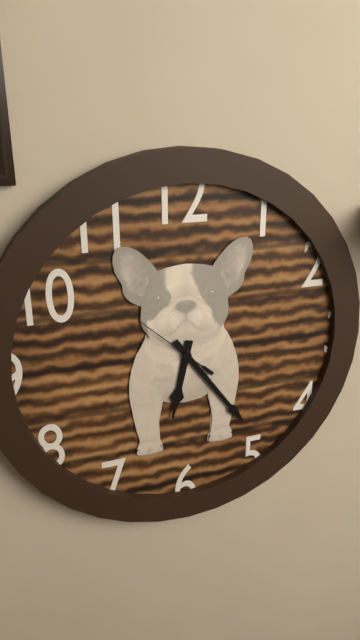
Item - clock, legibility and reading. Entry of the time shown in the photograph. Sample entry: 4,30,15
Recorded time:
6,24,52
